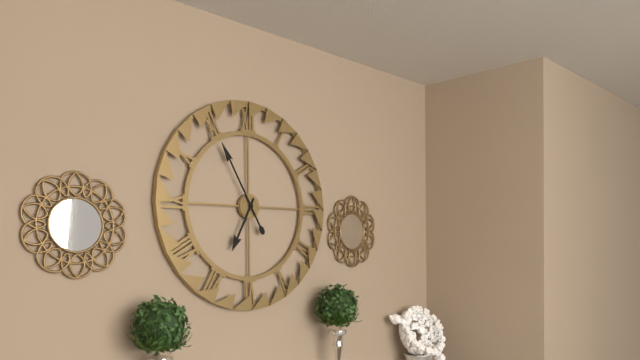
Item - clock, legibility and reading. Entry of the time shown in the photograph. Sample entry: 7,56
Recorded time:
6,55
